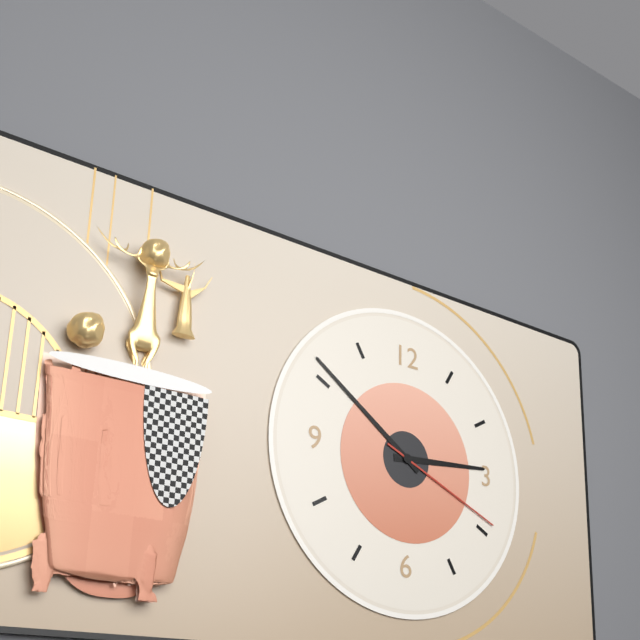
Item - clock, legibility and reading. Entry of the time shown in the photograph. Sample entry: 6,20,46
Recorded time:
2,51,19
